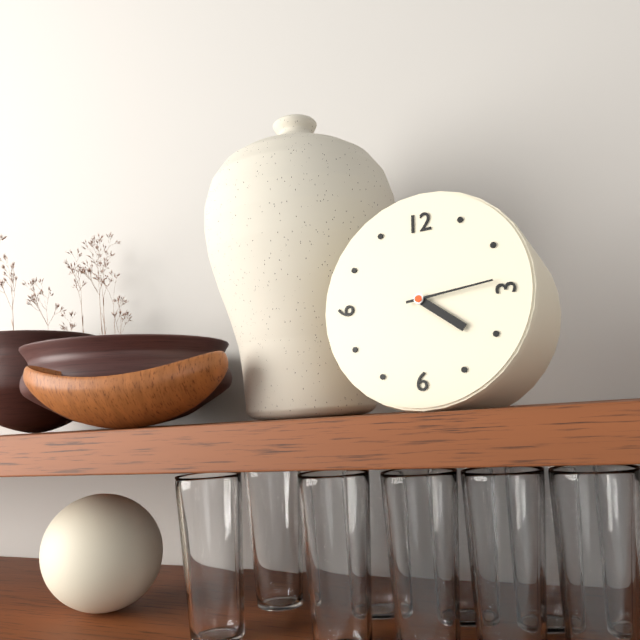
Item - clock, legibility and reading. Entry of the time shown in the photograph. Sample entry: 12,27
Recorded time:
4,14
